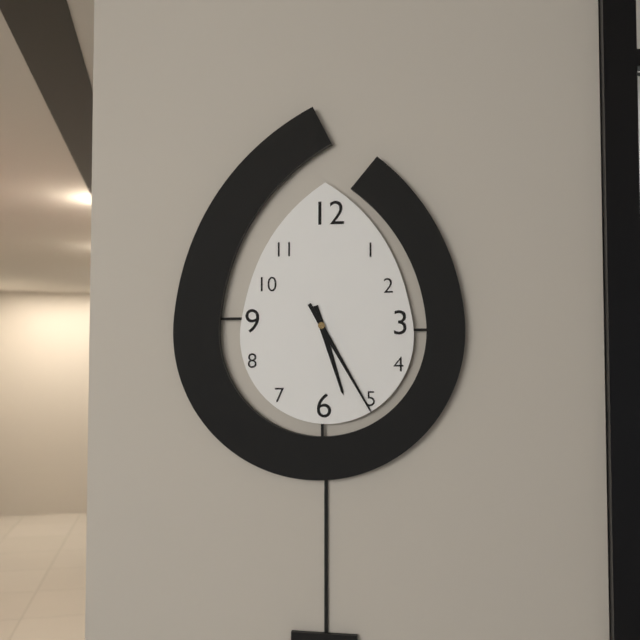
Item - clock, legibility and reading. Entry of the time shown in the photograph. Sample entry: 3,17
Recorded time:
5,25
